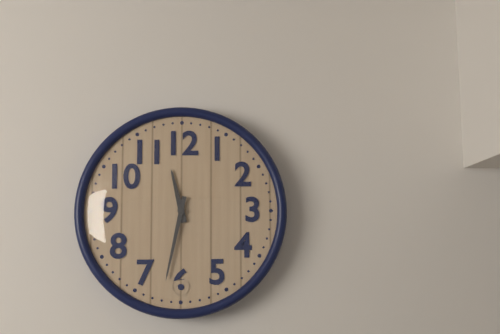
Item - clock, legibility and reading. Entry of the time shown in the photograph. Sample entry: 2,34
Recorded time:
11,32
